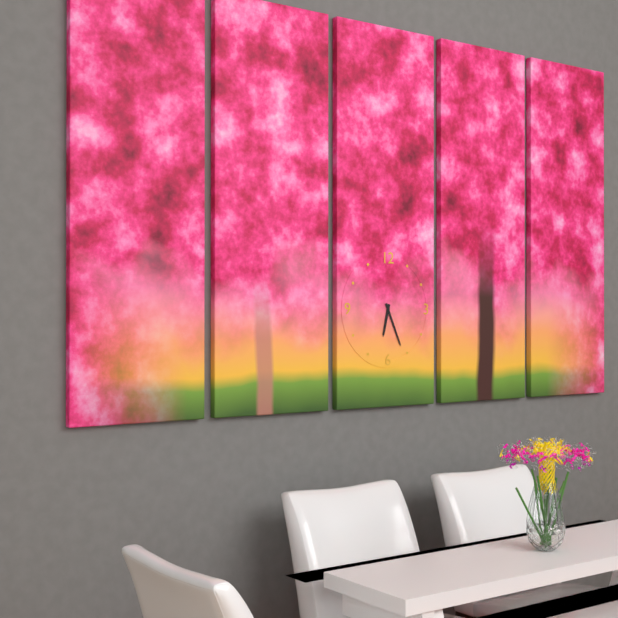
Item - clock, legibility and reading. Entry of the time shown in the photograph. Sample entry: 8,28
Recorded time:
6,26
